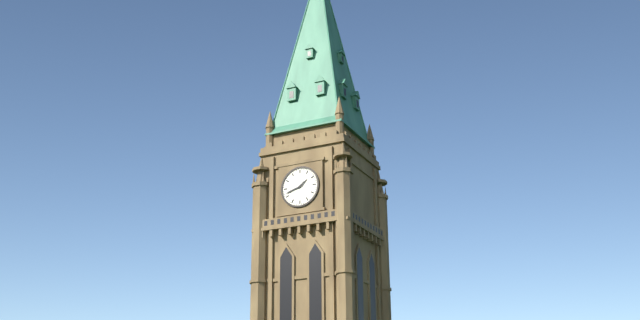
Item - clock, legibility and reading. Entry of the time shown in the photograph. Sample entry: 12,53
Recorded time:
1,42
